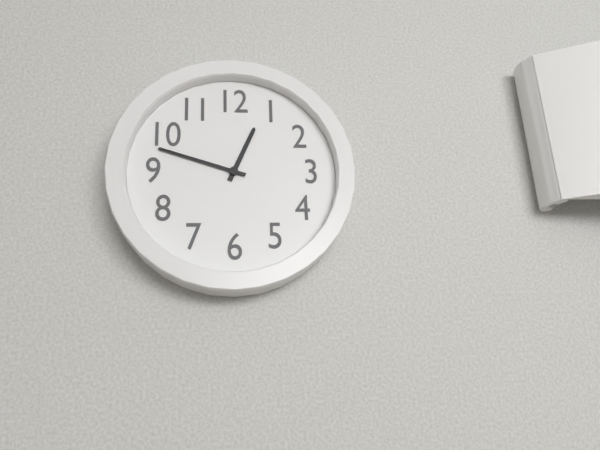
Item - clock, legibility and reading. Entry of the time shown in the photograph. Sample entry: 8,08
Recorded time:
12,48
